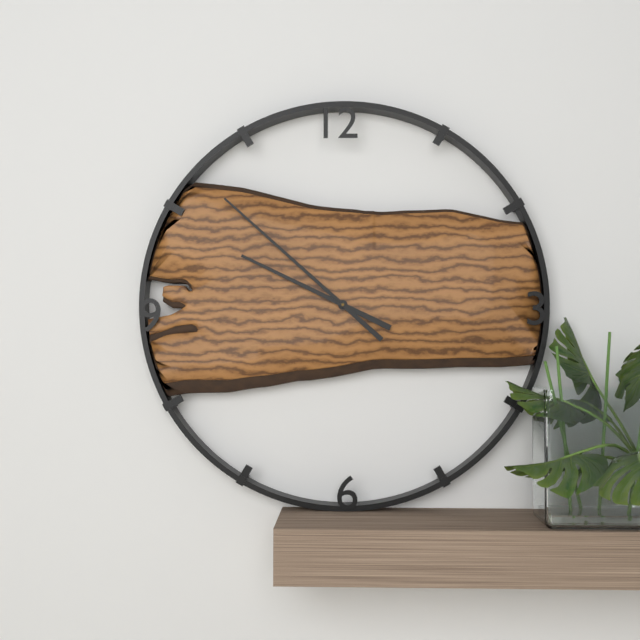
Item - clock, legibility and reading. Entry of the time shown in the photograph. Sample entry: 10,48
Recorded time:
9,52
